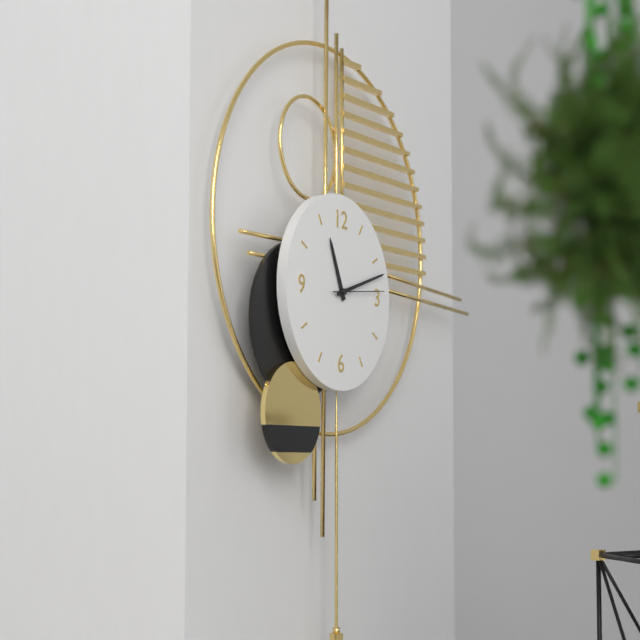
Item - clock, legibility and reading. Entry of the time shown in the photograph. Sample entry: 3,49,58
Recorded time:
11,12,14
